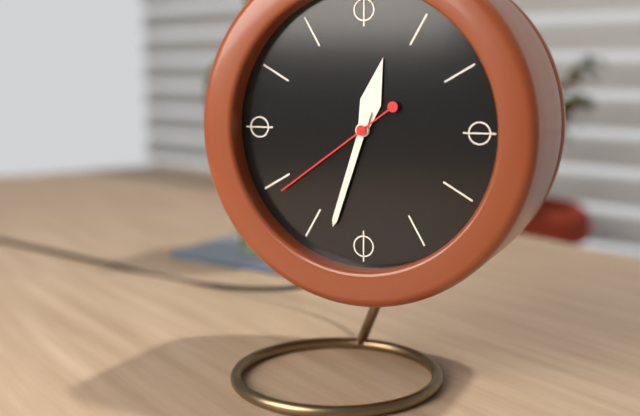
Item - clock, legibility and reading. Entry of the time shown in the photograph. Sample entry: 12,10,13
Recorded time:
12,33,39
